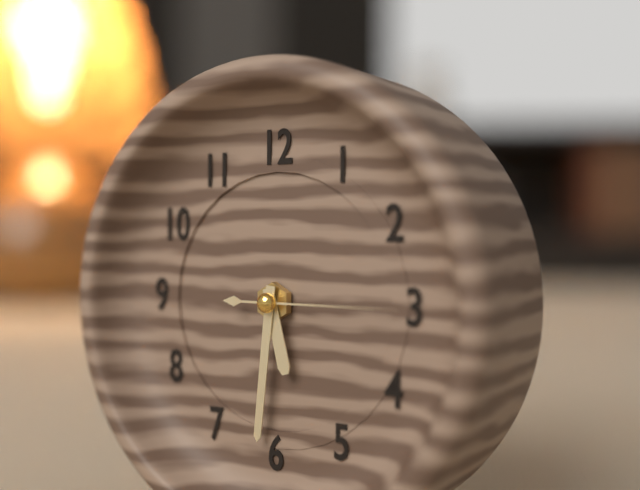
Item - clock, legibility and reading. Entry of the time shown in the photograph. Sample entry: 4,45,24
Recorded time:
5,31,15
